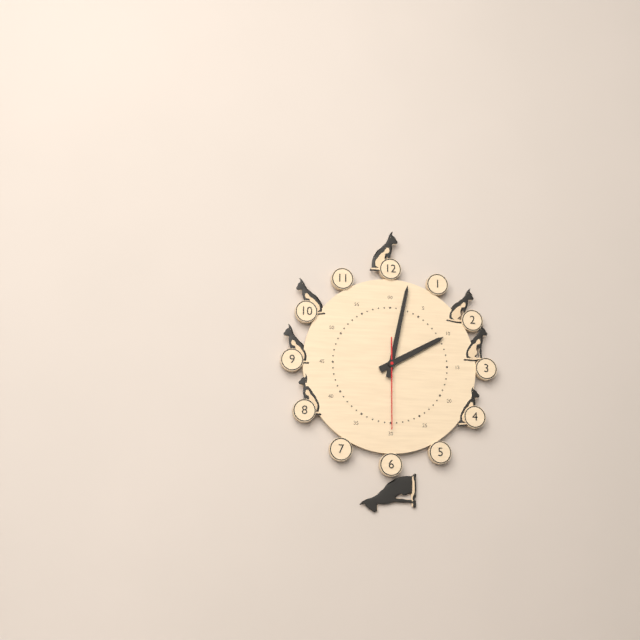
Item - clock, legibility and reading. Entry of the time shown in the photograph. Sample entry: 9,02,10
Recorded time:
2,02,30
